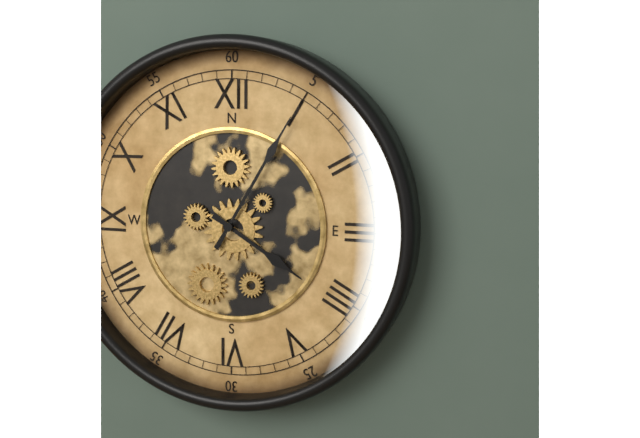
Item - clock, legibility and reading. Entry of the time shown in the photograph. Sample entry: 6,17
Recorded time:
4,05
